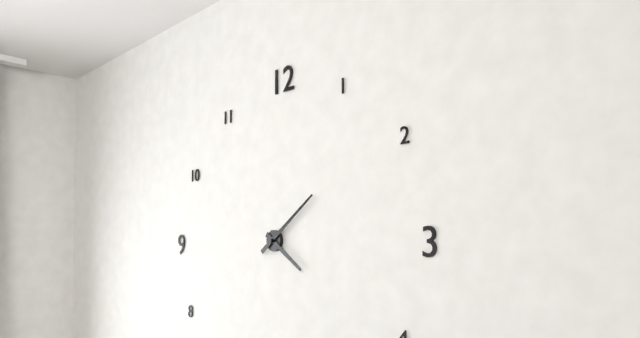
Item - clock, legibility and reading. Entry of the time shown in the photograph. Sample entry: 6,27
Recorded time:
4,09
